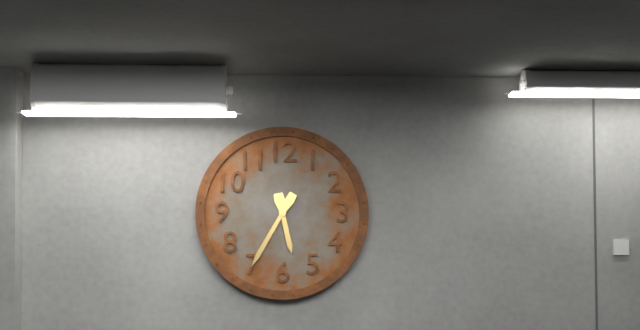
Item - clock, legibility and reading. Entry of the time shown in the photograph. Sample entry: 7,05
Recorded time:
5,35
